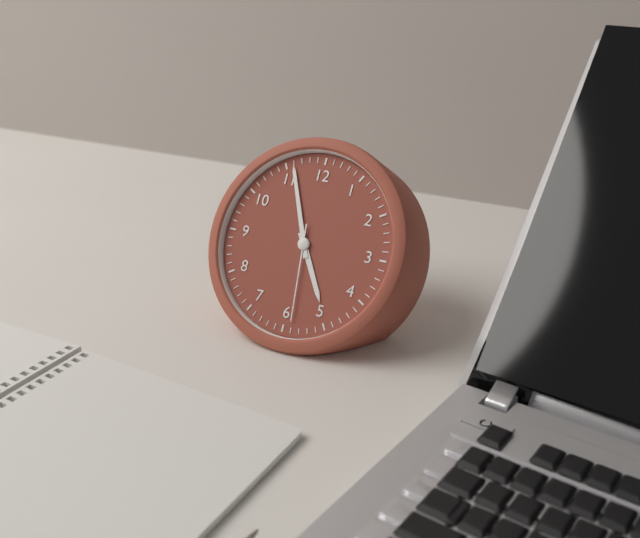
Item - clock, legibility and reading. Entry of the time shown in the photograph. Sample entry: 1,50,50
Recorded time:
4,56,29
